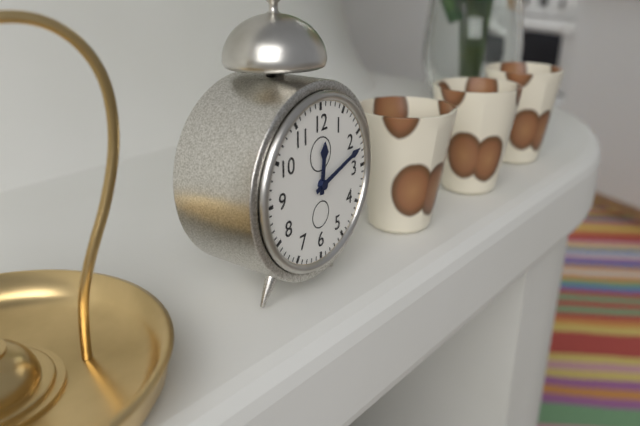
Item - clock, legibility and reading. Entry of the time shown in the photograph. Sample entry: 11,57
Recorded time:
12,12
